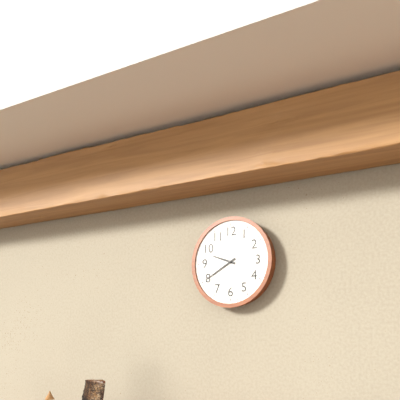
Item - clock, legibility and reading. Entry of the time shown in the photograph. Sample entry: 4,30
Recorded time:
9,40
